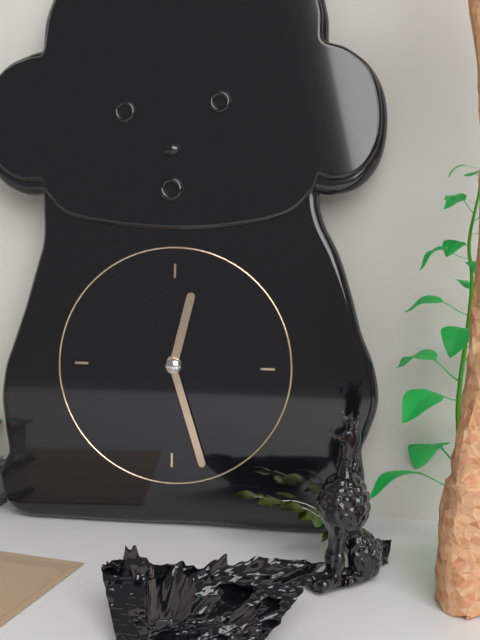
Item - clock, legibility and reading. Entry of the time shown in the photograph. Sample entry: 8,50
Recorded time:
12,27
